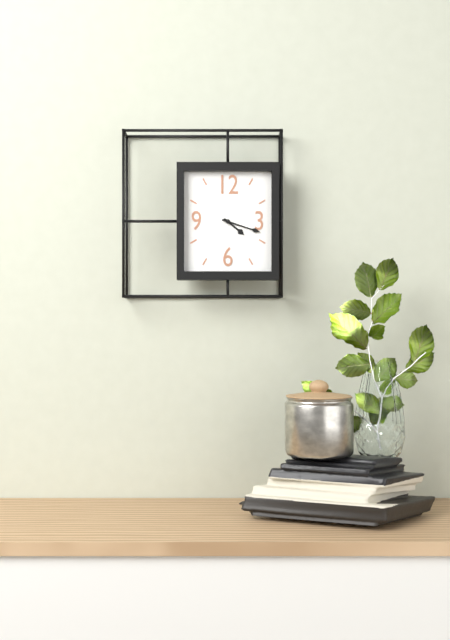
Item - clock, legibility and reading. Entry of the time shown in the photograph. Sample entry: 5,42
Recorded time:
4,18
